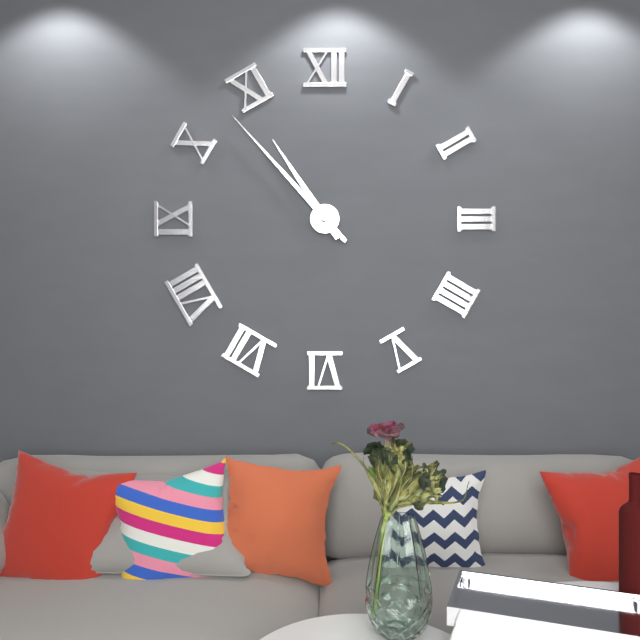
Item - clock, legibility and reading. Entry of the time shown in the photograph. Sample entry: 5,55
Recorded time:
10,53
